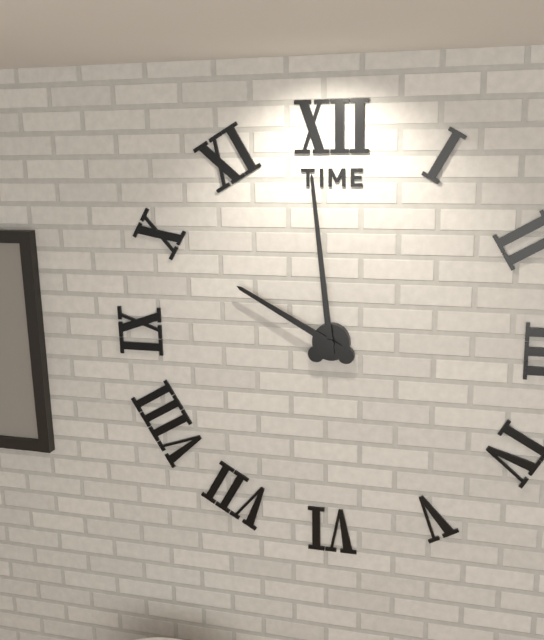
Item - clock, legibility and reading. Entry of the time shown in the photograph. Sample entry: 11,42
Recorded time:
9,59
